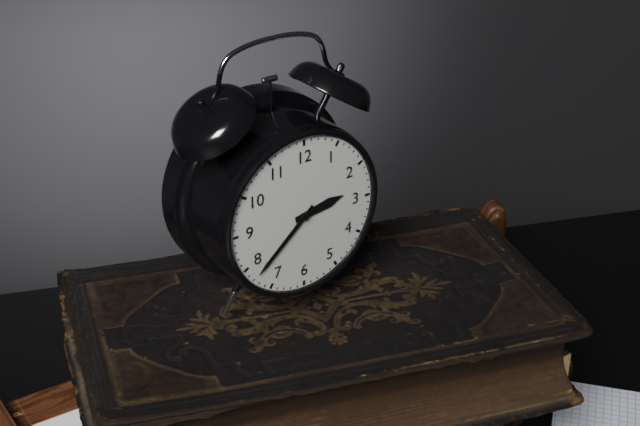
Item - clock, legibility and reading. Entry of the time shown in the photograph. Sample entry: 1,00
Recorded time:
2,38
